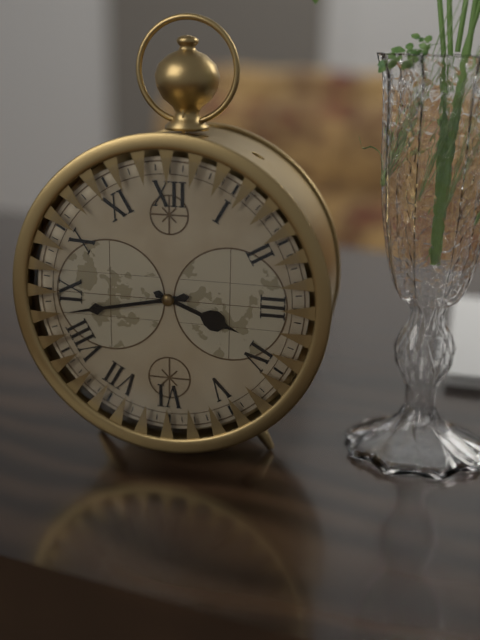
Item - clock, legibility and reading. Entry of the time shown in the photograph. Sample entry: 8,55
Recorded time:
3,43
